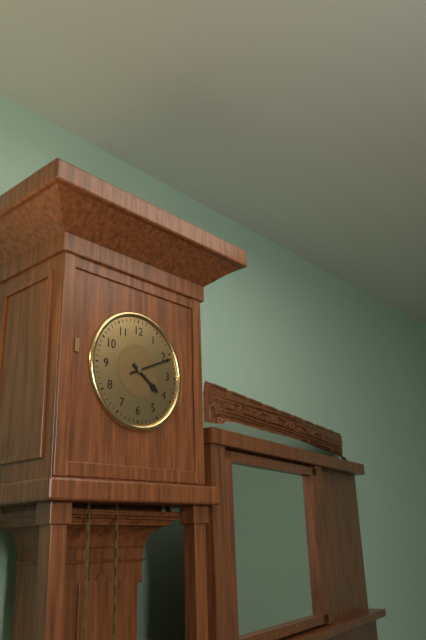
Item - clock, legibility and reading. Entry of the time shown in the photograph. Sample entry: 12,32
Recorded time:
4,11
